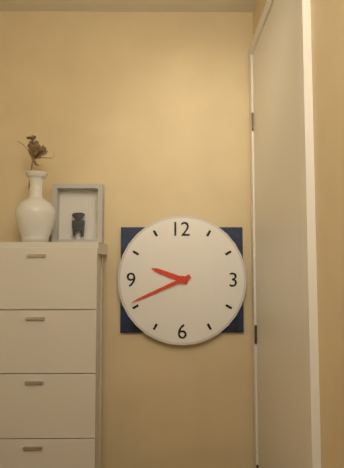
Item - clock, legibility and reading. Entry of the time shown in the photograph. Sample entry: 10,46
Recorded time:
9,41
